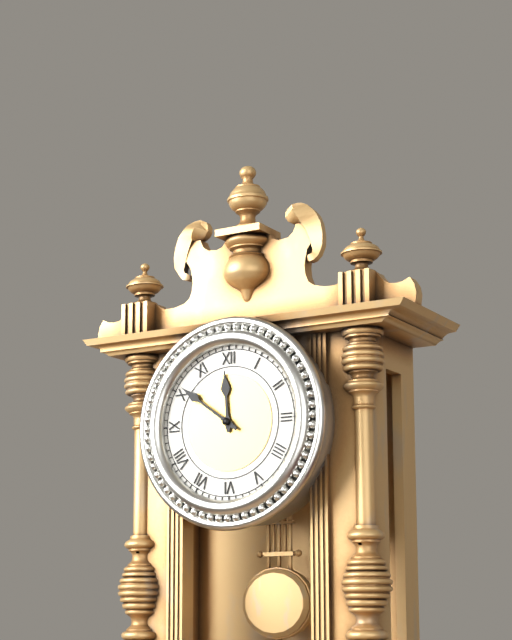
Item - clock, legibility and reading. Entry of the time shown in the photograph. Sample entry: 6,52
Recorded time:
11,51
